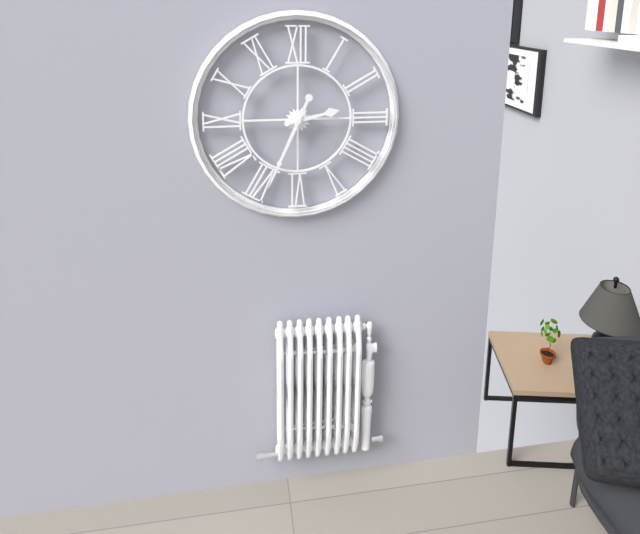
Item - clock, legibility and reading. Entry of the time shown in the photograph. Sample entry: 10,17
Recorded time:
2,34
